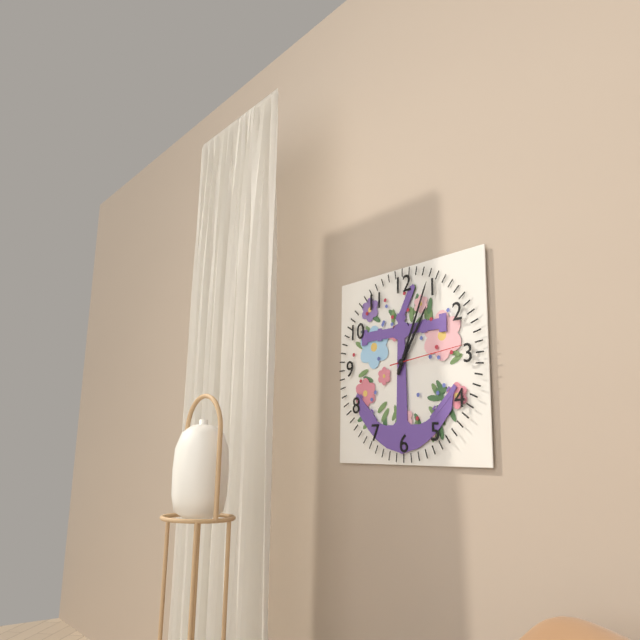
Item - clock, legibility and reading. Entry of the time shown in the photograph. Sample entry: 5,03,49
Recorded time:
1,04,14
